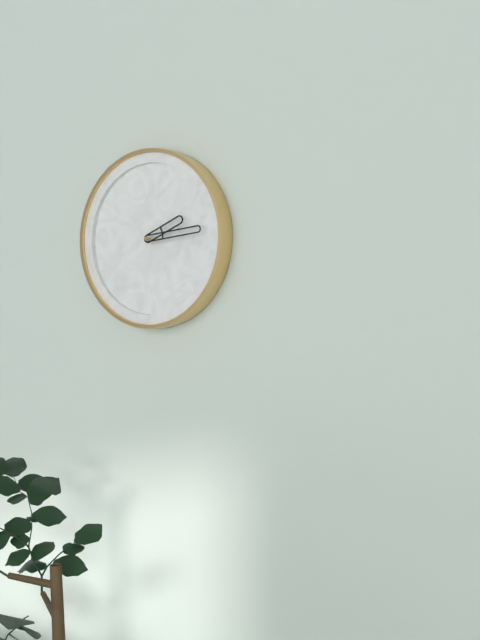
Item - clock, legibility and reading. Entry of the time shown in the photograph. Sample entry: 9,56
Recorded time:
2,14
